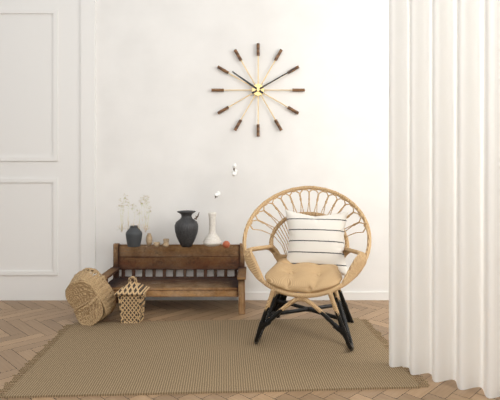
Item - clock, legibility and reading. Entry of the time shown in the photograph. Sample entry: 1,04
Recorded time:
10,10
